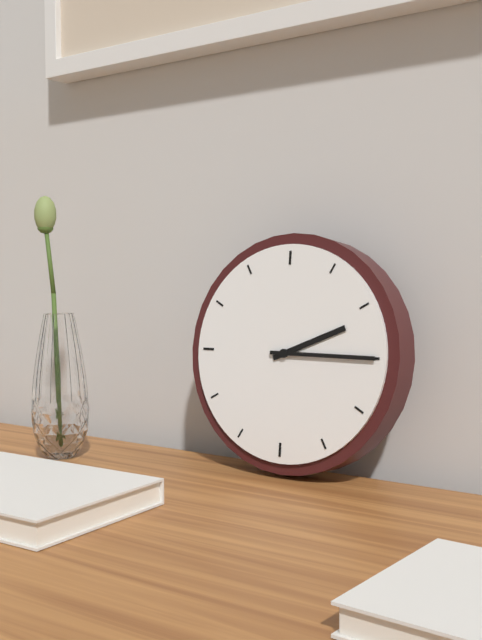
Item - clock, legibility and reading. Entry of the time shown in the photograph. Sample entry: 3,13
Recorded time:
2,15
